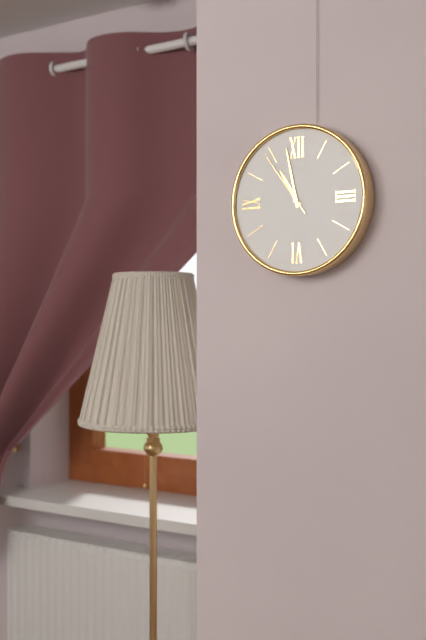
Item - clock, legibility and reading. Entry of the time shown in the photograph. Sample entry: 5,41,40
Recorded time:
10,58,54
